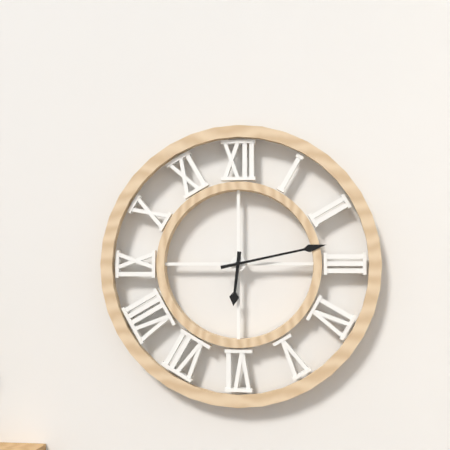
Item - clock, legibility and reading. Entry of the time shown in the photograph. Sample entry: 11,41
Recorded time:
6,13
